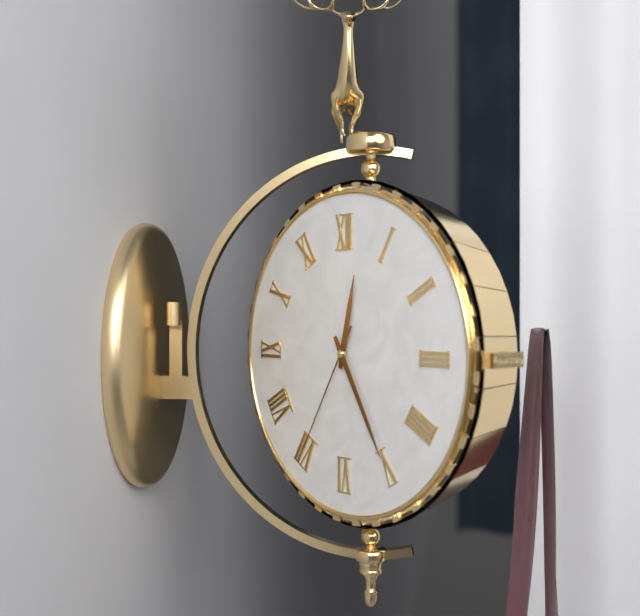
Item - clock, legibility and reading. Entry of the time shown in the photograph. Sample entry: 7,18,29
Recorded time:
12,25,35
